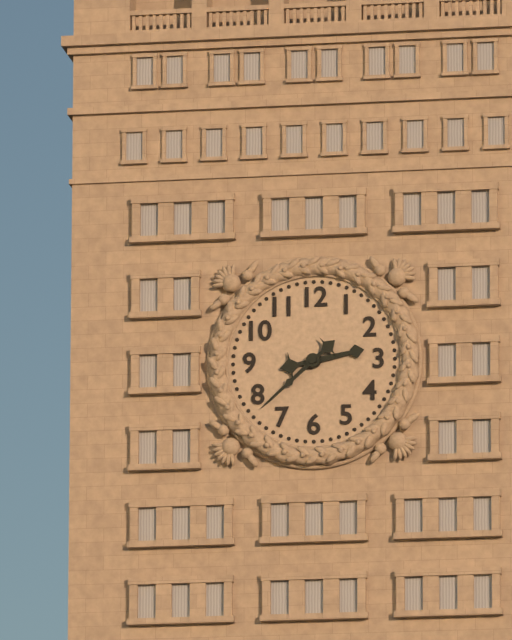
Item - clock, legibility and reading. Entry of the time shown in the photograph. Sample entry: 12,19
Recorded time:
2,38
